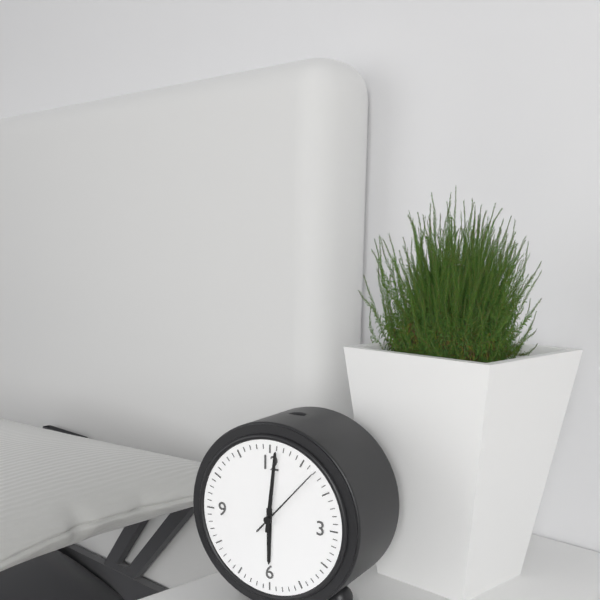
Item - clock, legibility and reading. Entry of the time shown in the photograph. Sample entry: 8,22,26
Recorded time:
6,01,07
